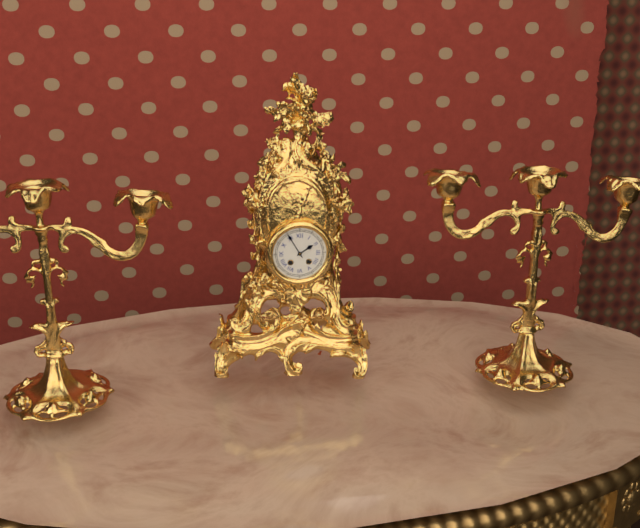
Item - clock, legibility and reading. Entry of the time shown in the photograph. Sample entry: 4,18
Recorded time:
1,55
